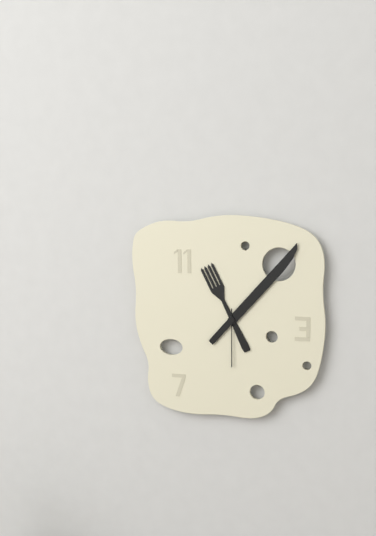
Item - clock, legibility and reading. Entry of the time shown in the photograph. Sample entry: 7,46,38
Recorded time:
11,07,30
